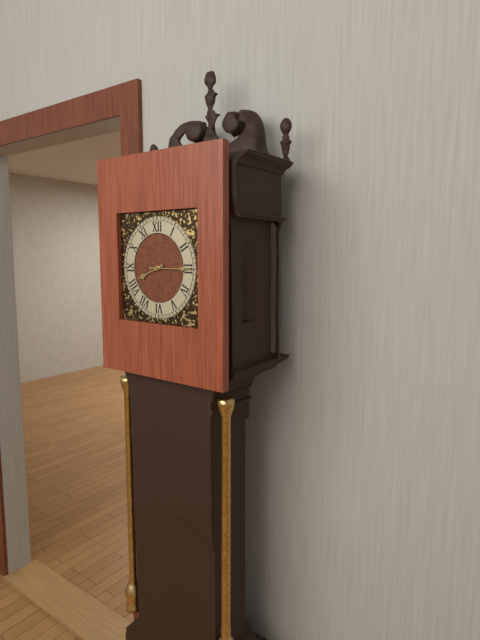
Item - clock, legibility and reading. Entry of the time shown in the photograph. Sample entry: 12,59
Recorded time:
8,15
